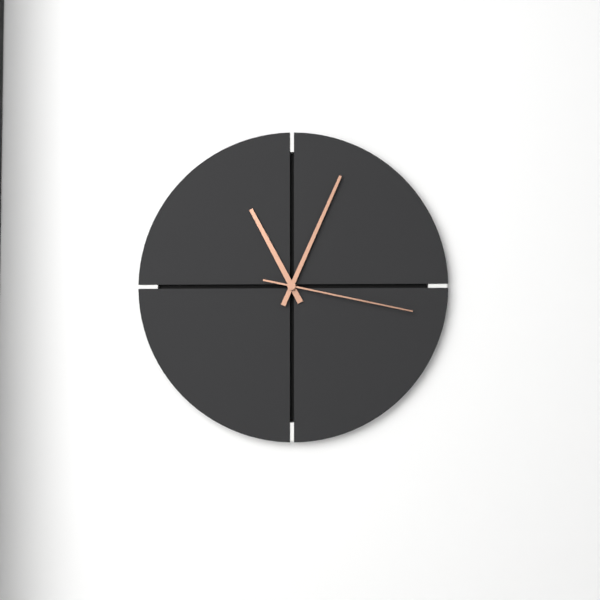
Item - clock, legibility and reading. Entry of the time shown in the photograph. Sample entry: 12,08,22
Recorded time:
11,04,17
